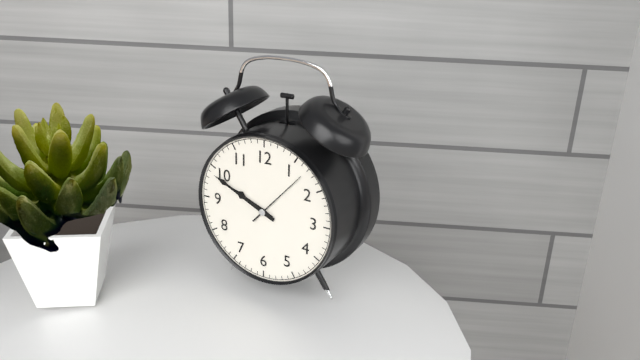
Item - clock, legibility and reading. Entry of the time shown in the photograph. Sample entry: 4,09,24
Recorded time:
9,49,07
